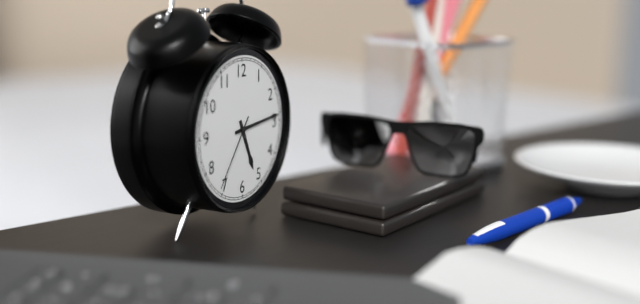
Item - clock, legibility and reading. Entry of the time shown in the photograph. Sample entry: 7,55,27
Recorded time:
5,14,36
